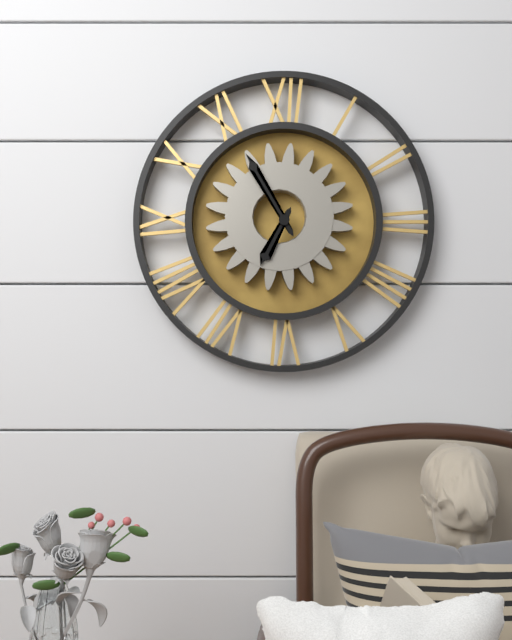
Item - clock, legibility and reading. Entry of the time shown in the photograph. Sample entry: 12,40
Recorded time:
6,55
